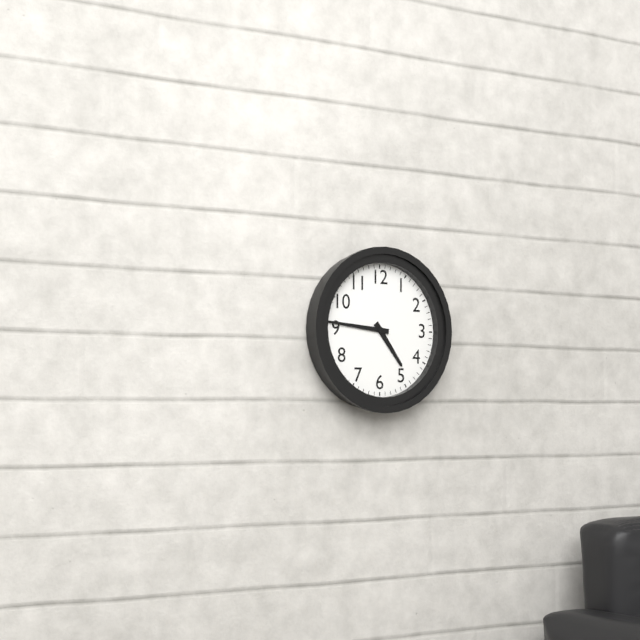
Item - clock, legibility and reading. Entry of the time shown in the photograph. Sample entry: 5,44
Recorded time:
4,46
